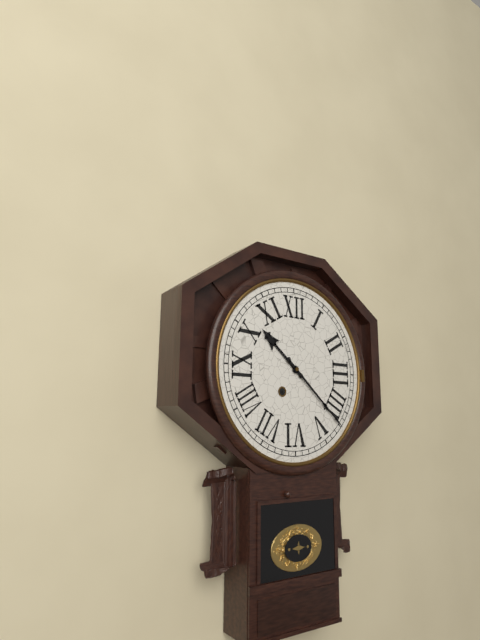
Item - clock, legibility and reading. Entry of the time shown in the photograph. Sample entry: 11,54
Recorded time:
10,22
